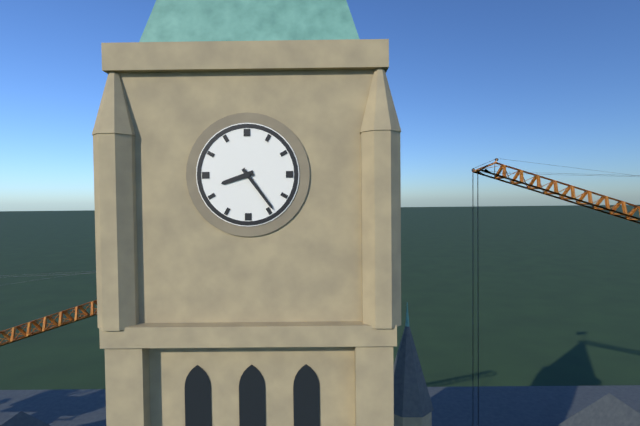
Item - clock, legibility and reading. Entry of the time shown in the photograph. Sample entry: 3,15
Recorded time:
8,24
